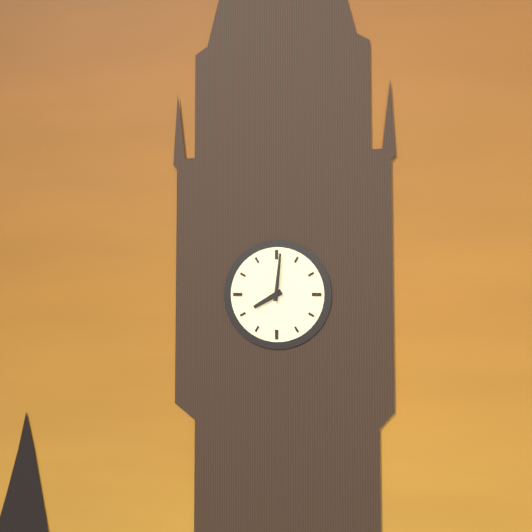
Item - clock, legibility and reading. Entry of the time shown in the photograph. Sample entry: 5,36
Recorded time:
8,01
